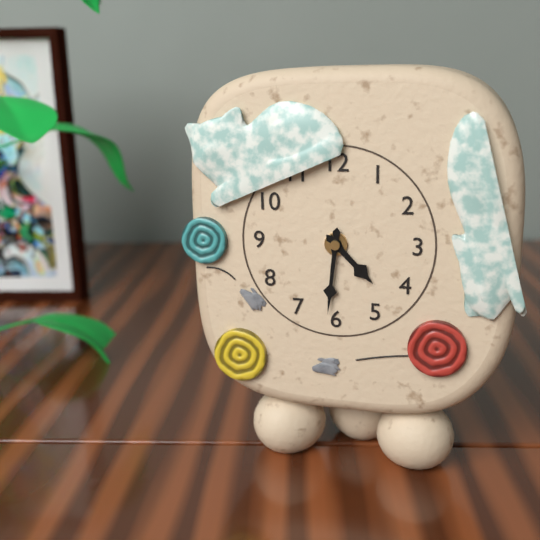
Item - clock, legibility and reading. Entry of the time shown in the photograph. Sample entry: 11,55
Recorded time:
4,31
